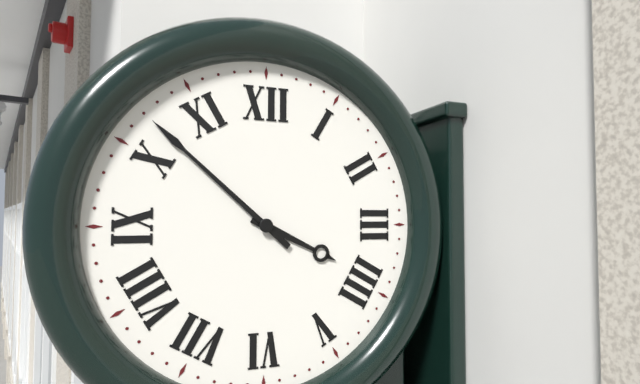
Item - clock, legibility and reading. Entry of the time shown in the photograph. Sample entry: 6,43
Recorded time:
3,52
